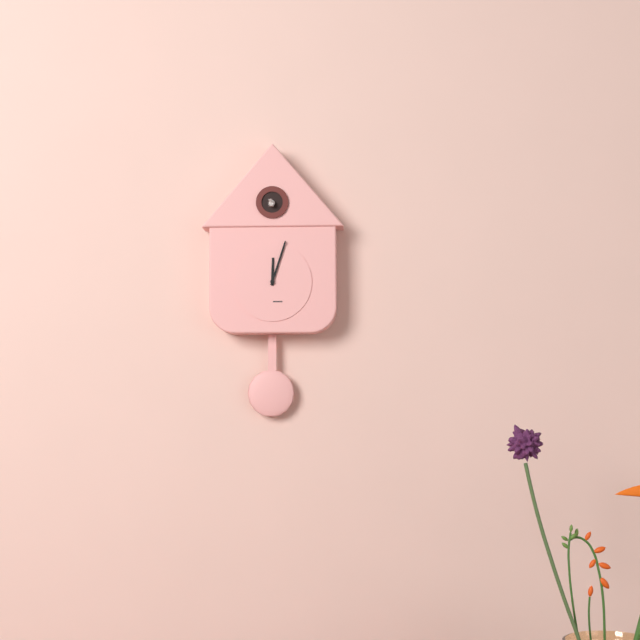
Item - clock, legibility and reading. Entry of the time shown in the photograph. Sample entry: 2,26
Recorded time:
12,03
